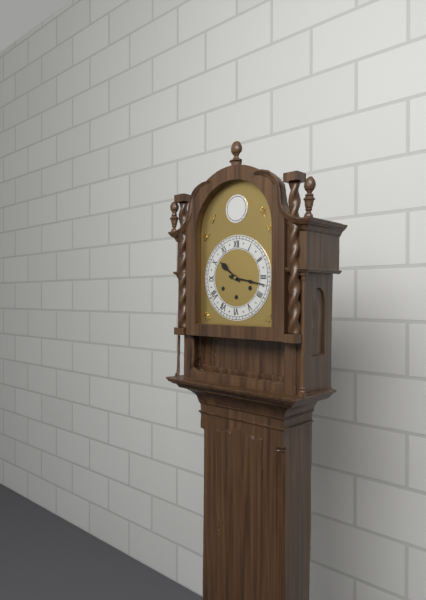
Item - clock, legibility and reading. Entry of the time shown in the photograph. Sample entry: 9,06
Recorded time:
10,17
